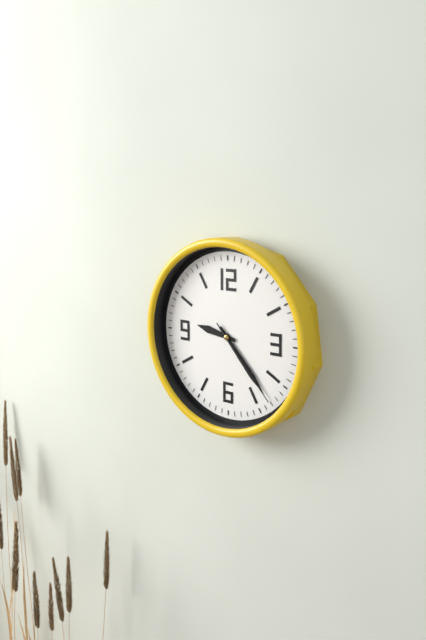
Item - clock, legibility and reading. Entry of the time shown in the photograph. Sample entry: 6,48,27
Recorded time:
9,23,23
